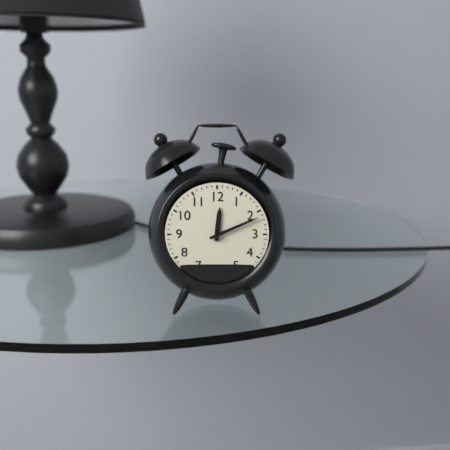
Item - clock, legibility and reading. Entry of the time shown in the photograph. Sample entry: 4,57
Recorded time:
12,11
